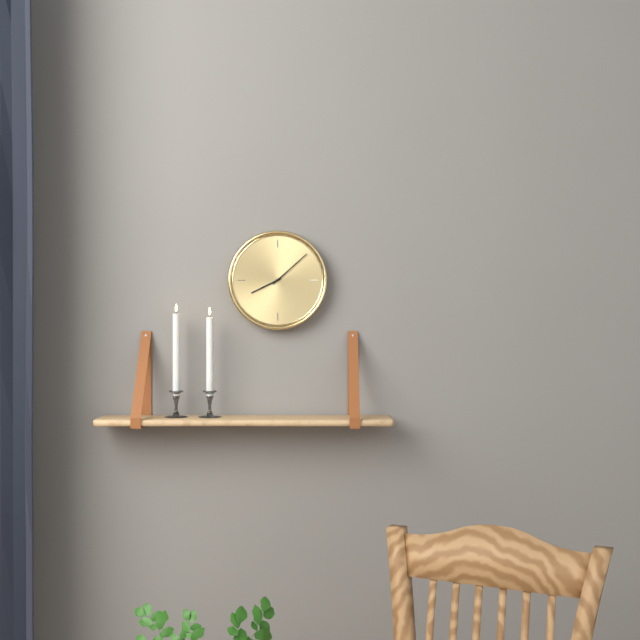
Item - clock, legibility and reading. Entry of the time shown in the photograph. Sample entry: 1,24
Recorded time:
8,08
